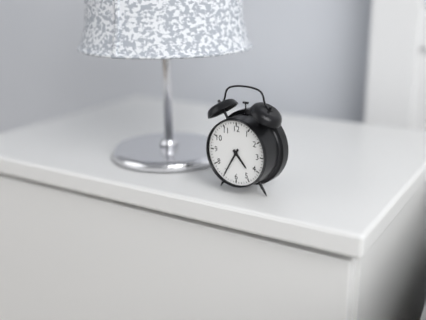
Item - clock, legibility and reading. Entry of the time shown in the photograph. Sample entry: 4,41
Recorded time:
4,35
